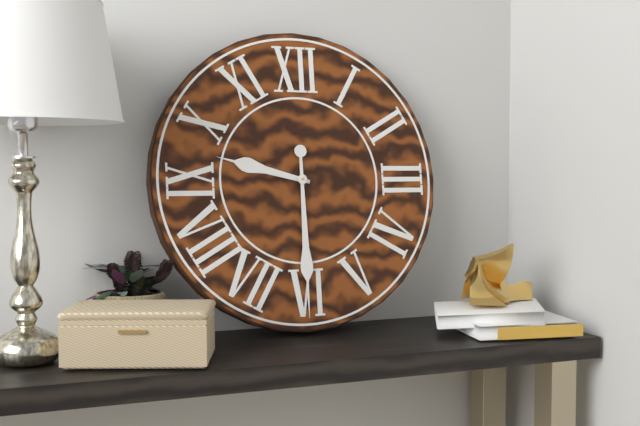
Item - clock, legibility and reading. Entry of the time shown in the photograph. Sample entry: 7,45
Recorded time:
9,30
